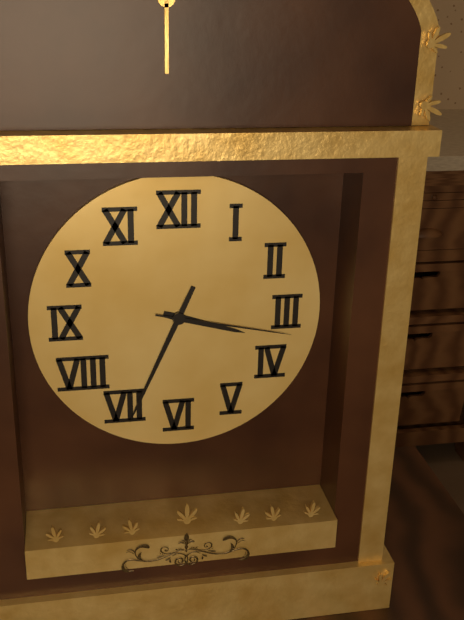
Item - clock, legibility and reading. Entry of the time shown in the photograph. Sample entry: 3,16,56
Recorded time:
3,34,17
